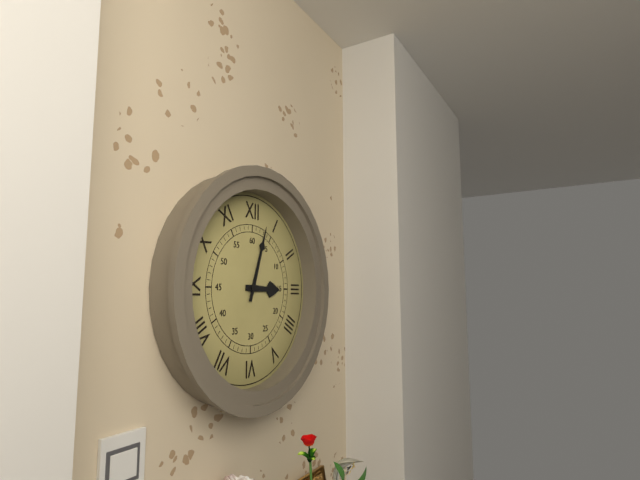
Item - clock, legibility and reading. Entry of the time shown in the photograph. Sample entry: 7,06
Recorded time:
3,03
